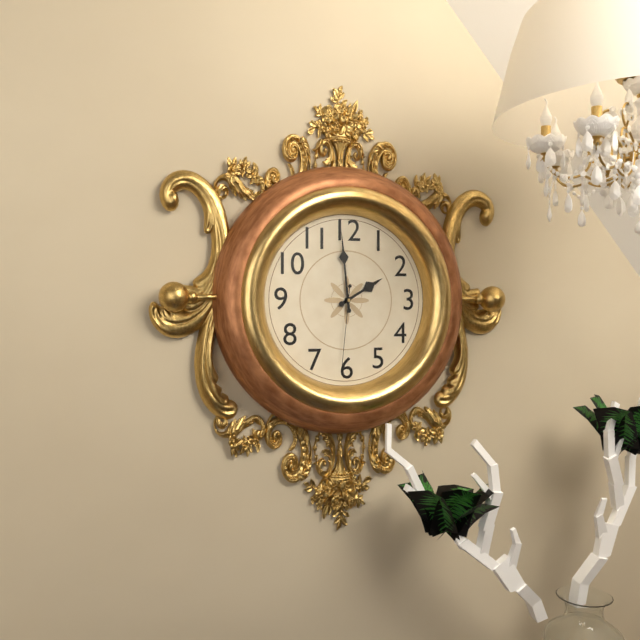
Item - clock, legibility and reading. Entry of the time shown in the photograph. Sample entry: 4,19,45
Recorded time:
1,59,31
